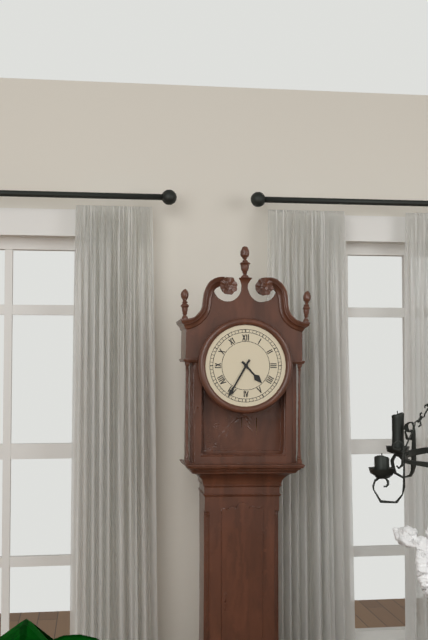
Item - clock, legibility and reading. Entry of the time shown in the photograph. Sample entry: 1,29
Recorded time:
4,35
